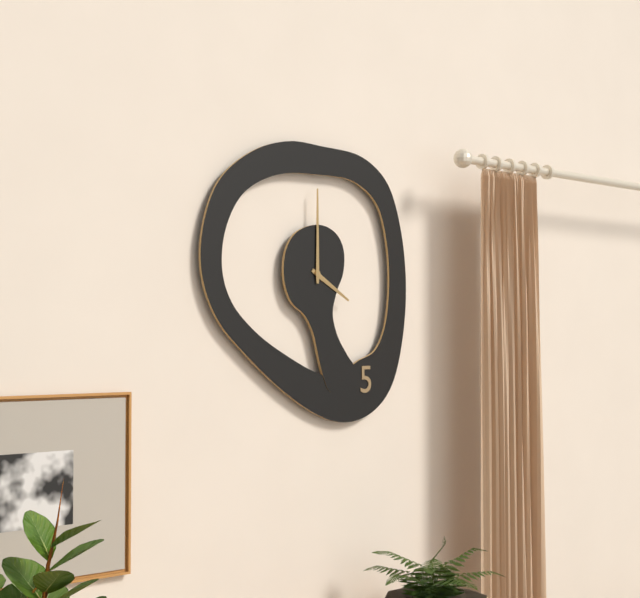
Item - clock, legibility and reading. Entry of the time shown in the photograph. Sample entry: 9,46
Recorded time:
4,00
